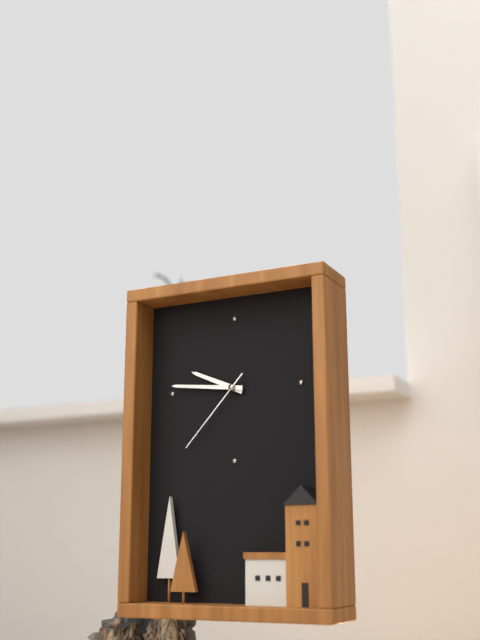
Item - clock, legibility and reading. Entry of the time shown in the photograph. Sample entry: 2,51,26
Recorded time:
9,46,37
